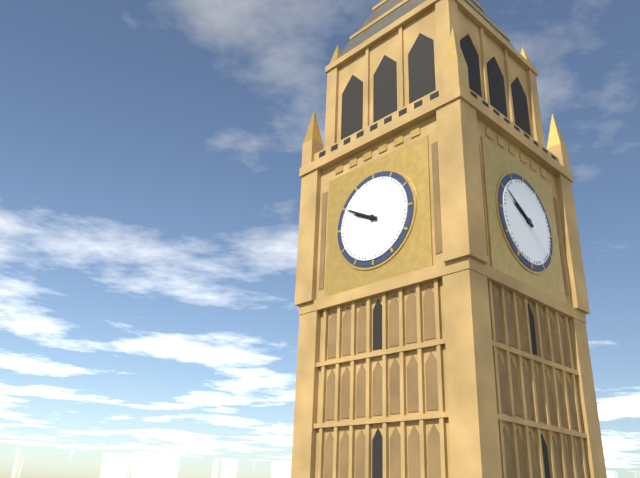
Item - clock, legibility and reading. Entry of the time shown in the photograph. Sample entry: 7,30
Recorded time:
9,50
